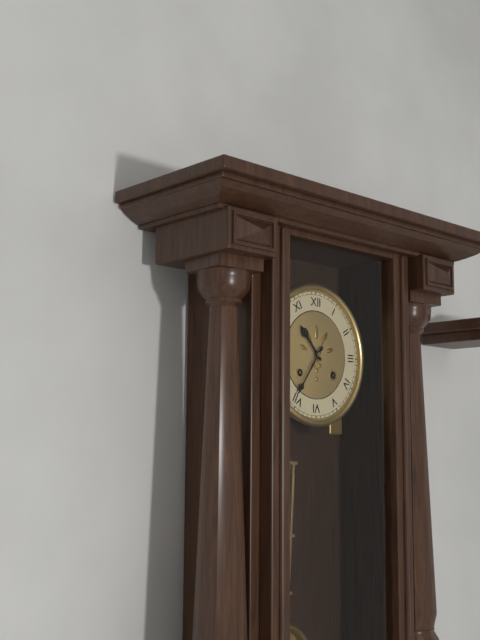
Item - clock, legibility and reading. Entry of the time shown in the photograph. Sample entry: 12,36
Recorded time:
10,36
